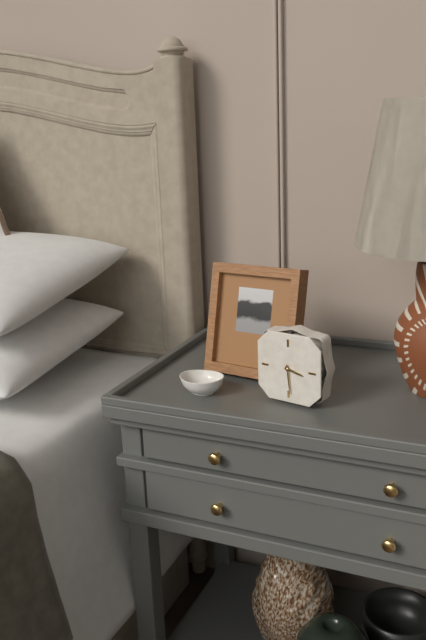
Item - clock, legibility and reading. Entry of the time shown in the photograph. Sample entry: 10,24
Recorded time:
3,29
